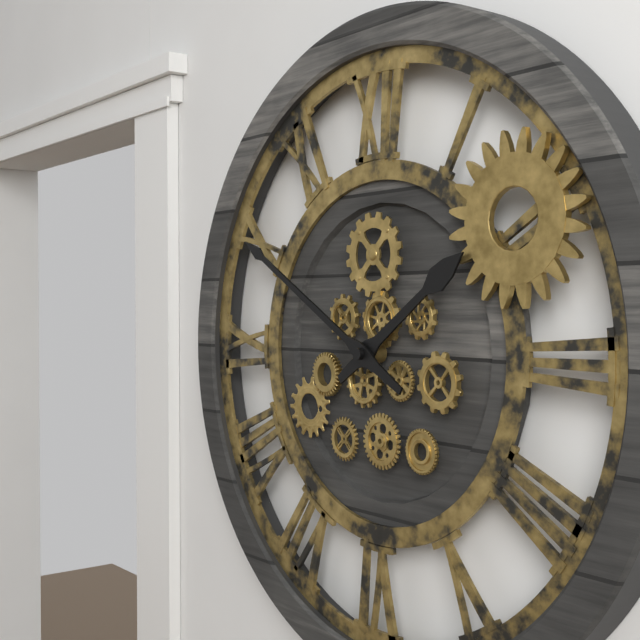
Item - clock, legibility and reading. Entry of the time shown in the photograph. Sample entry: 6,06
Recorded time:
1,50
